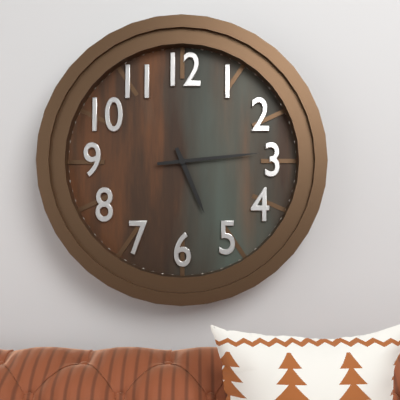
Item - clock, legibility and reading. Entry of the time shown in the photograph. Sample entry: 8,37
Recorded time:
5,14
